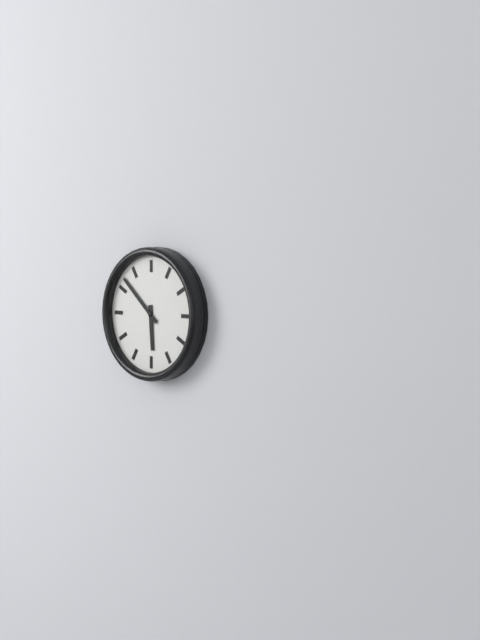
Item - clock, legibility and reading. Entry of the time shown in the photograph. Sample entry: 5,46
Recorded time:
5,52
